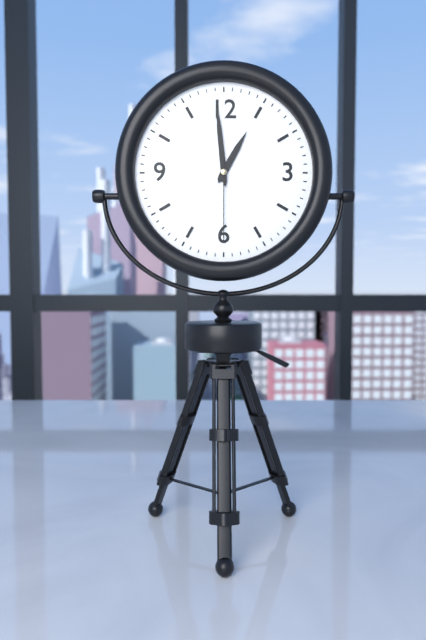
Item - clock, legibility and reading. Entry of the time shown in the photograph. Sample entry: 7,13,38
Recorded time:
12,59,30
